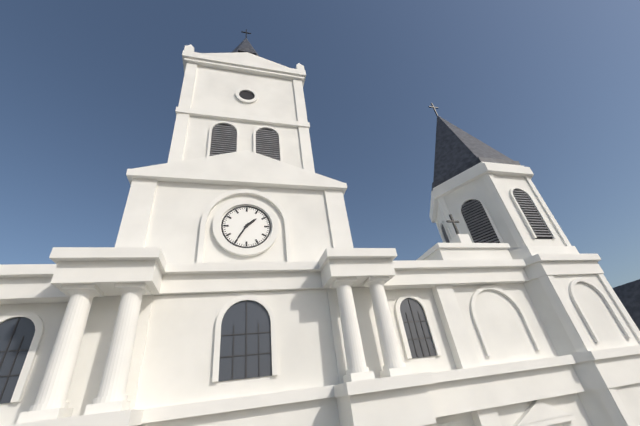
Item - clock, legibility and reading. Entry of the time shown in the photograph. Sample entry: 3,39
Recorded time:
1,35
